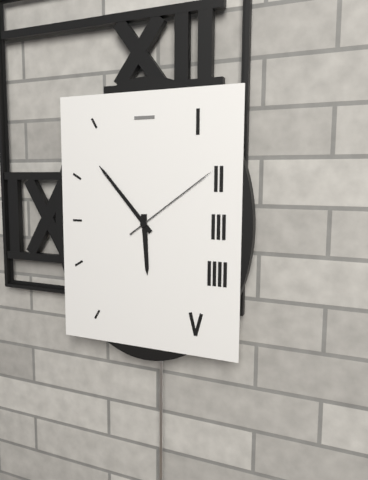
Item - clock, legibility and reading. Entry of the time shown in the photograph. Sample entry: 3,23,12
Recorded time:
5,53,09
